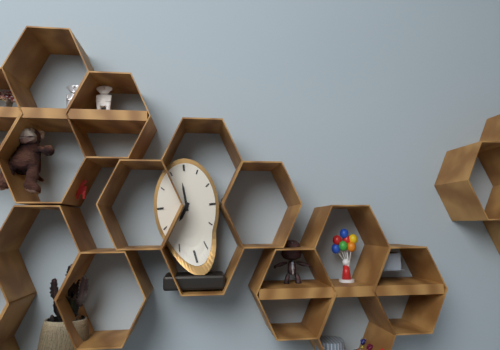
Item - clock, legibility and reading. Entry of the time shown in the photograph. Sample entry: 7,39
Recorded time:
6,59
